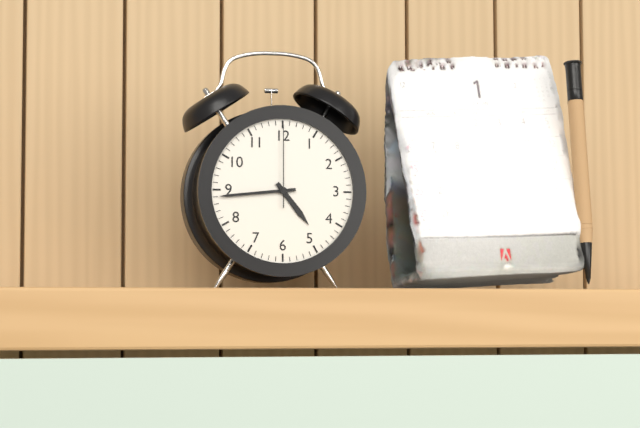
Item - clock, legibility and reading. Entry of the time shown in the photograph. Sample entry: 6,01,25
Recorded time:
4,44,00
